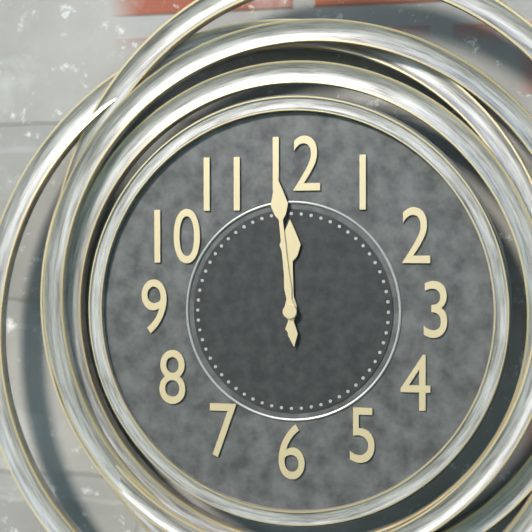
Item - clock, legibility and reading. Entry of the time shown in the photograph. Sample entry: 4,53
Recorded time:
11,59
